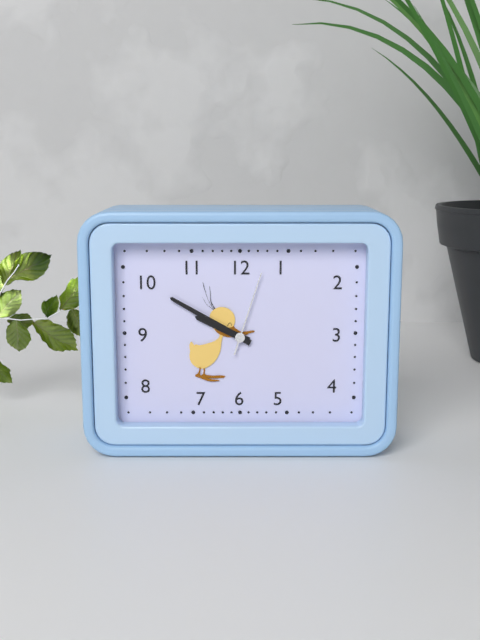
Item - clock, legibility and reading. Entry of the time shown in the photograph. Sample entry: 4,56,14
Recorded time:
9,50,03
